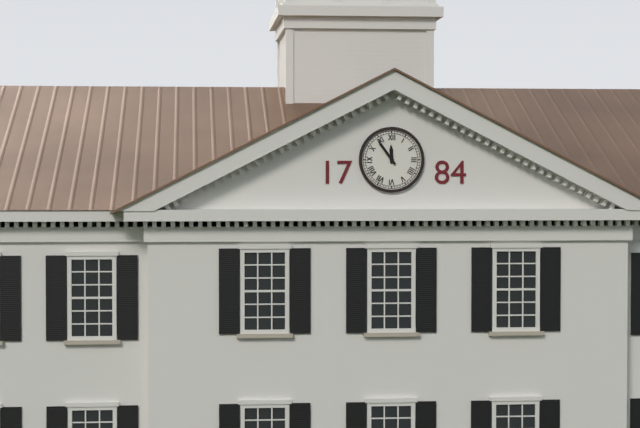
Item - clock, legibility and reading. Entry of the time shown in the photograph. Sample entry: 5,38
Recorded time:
11,54
